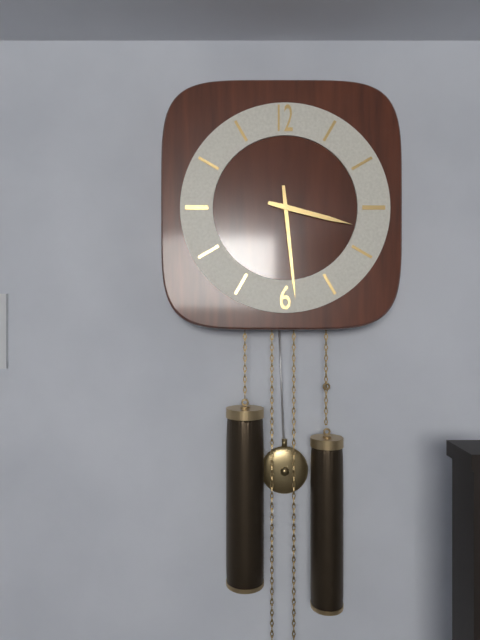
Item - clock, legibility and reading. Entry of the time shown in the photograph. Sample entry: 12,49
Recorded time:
3,29
